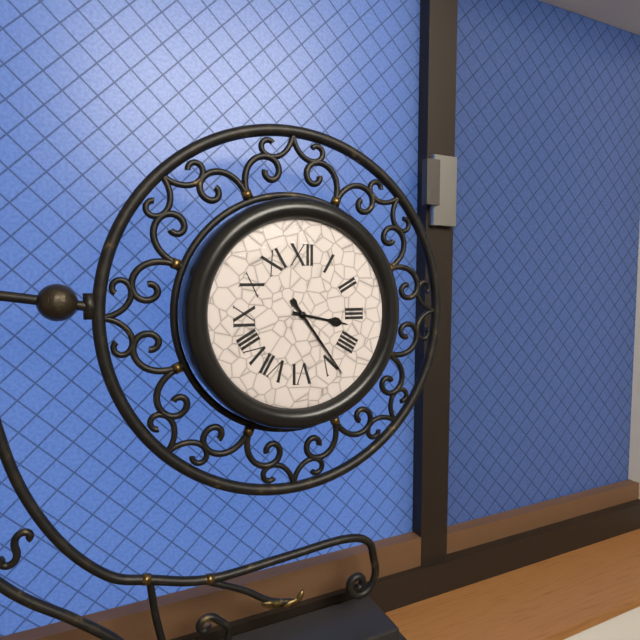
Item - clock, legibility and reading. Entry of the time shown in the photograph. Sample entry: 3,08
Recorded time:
3,24
